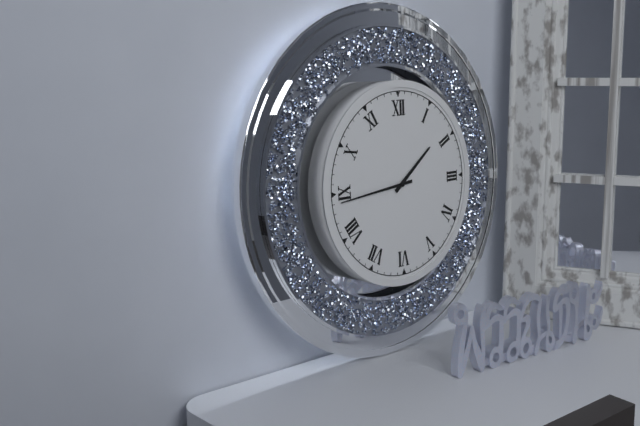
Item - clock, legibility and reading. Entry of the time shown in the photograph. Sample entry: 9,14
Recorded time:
1,44
